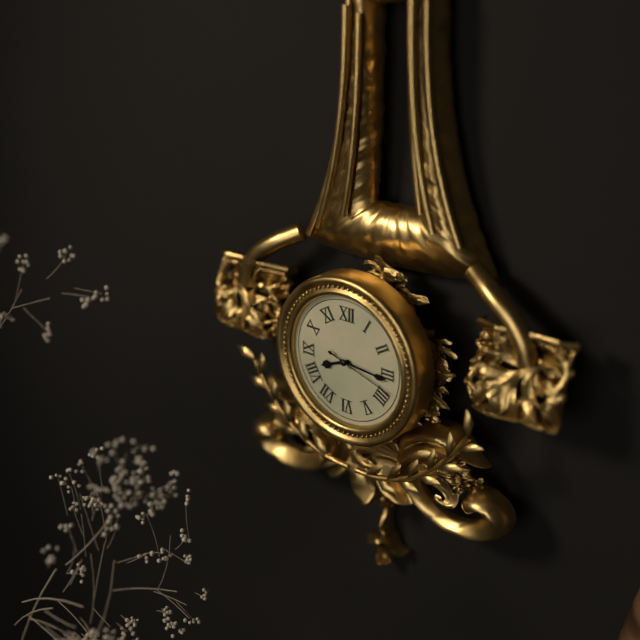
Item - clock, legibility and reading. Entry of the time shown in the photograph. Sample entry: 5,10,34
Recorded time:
8,16,18
